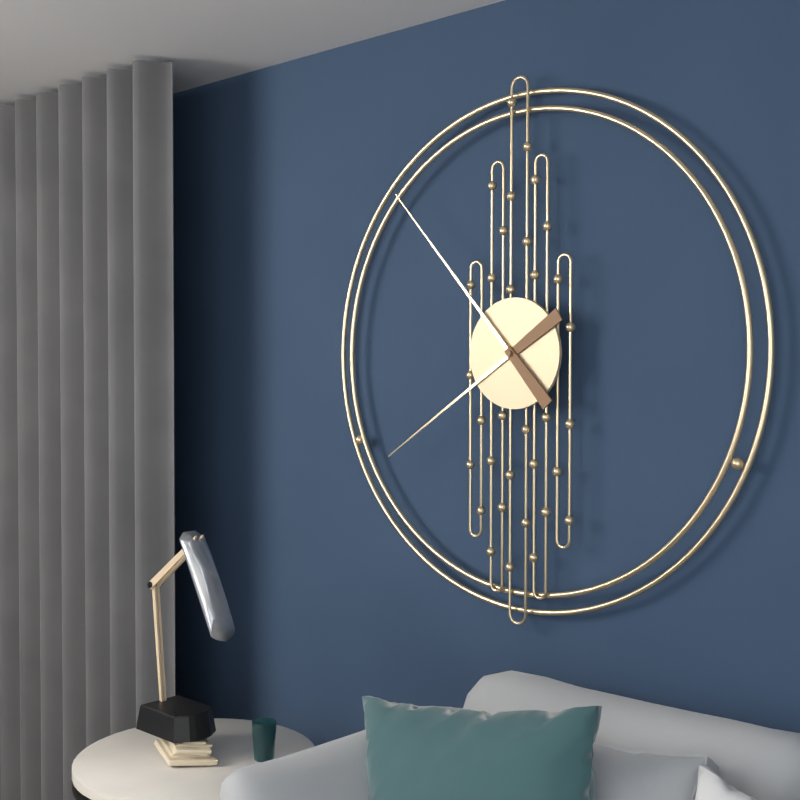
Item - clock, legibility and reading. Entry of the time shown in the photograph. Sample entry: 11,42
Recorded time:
7,53
